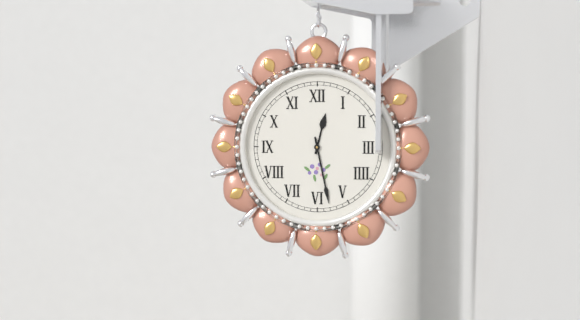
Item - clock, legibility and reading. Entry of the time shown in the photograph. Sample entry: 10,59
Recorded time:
12,28
